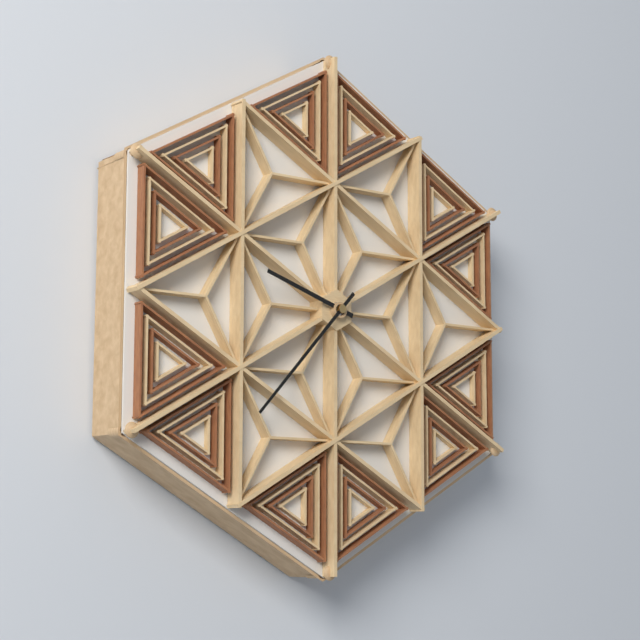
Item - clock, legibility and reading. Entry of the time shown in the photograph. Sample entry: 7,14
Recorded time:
9,37
